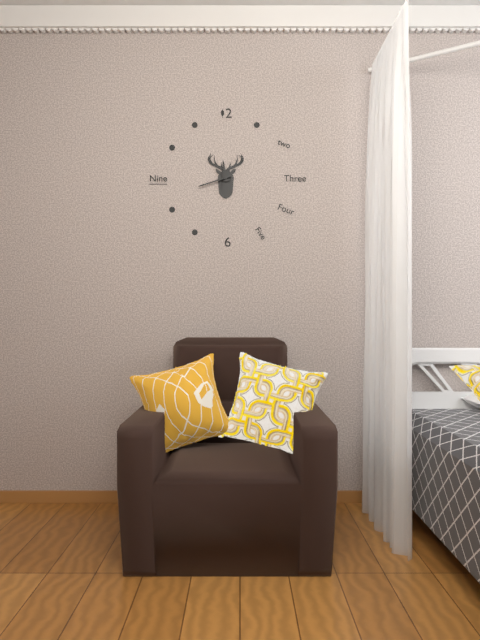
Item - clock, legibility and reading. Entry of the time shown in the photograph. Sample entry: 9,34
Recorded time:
11,42
